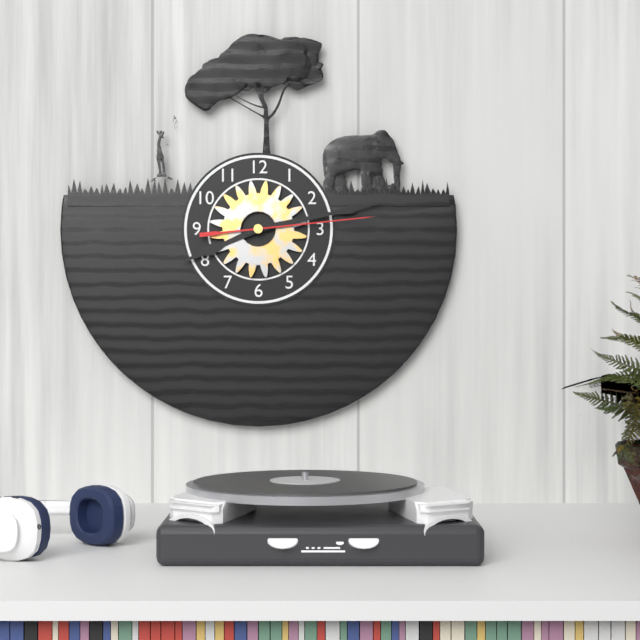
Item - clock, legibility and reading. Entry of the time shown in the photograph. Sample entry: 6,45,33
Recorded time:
8,13,14
